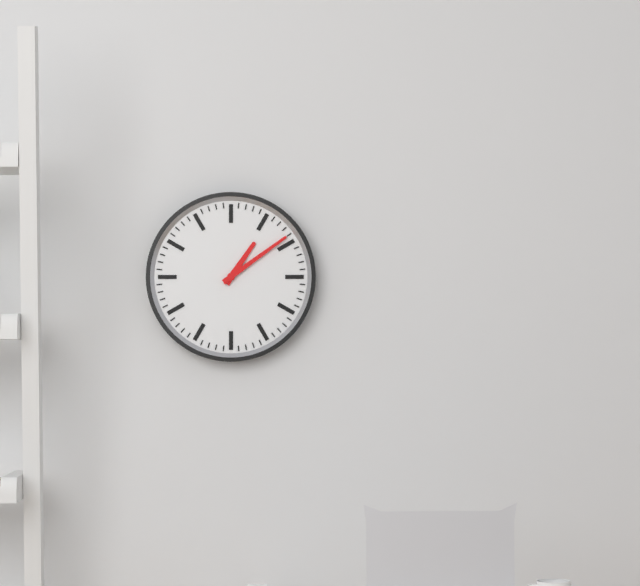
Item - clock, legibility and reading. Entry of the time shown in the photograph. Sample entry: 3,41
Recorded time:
1,09
